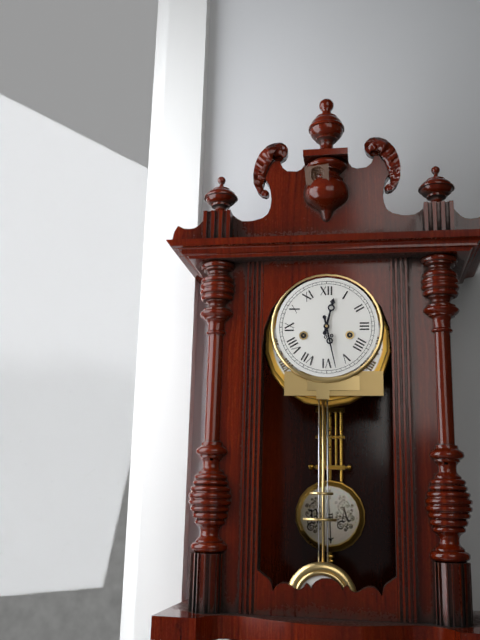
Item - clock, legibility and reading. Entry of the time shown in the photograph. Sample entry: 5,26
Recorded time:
12,28
